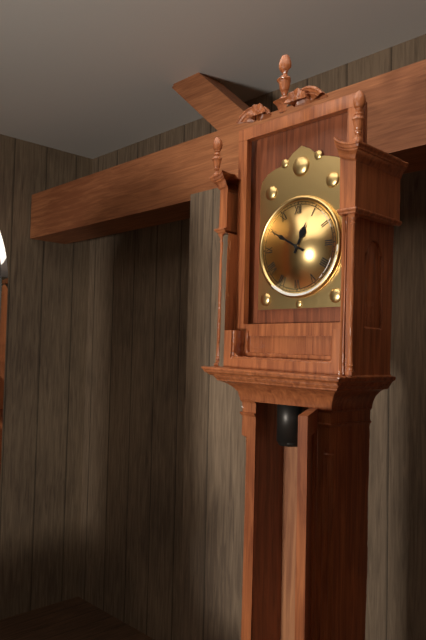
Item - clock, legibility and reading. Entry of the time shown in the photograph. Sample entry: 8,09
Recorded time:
12,50
